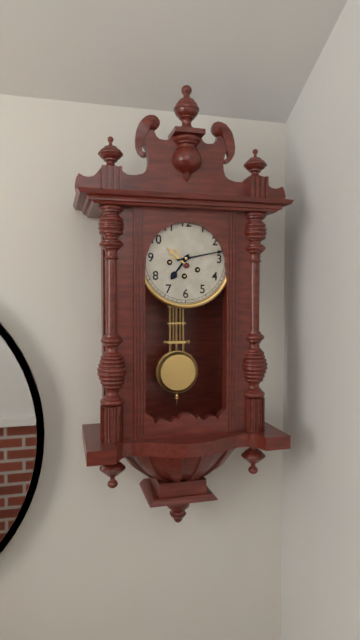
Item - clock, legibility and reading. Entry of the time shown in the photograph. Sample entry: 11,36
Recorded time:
7,13
